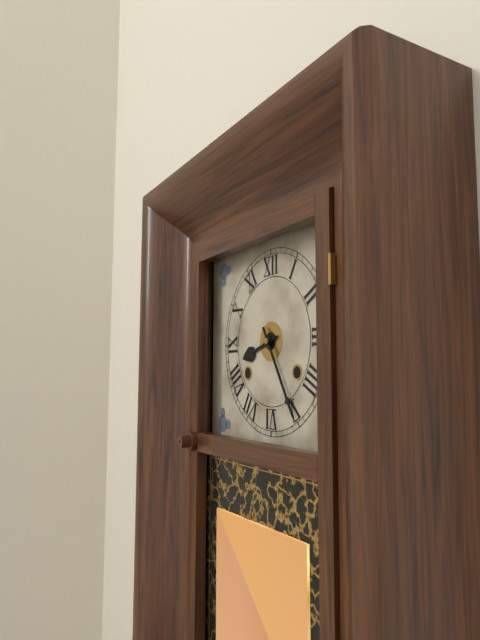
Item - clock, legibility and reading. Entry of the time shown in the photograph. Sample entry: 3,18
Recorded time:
8,25
